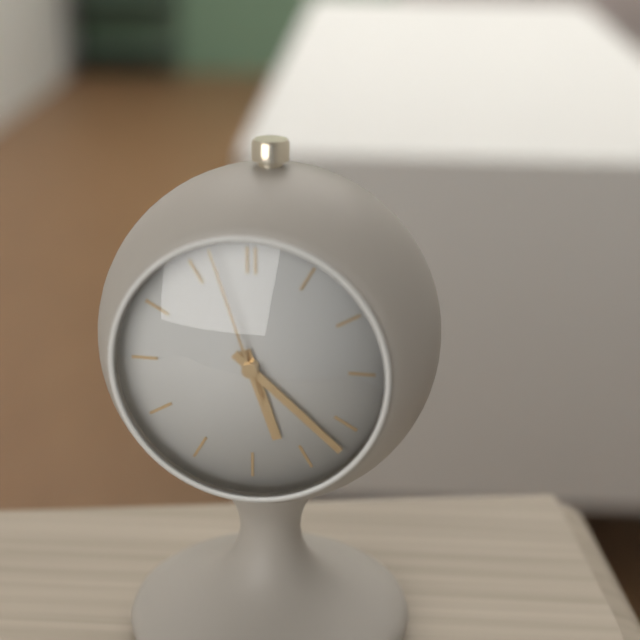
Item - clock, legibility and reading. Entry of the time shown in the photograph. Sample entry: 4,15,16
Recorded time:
5,22,57
